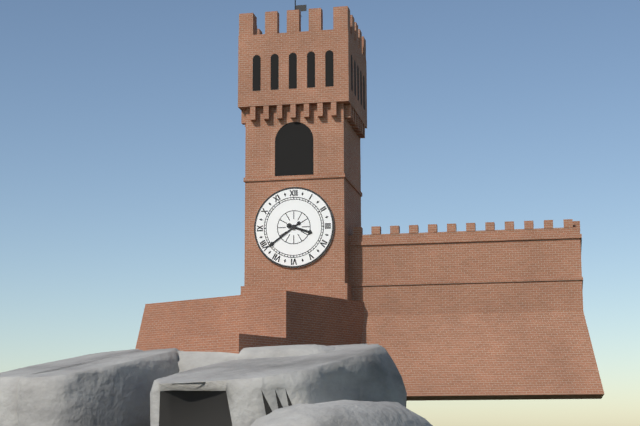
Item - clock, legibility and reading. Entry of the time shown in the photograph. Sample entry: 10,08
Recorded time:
3,39
